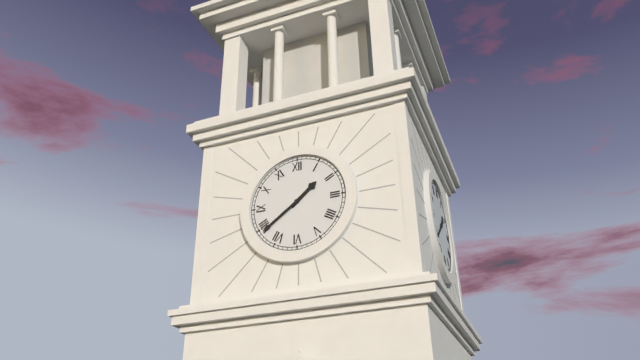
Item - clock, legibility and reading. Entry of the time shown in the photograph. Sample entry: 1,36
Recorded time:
1,39
